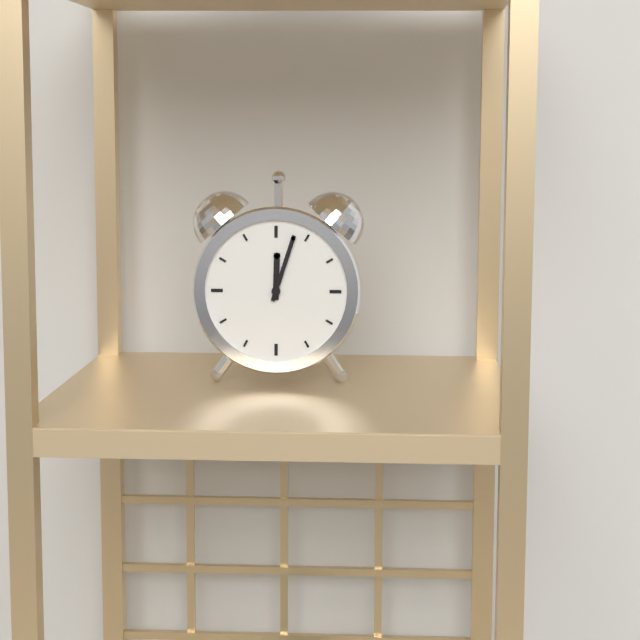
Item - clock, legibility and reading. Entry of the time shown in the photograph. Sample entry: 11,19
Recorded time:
12,03
